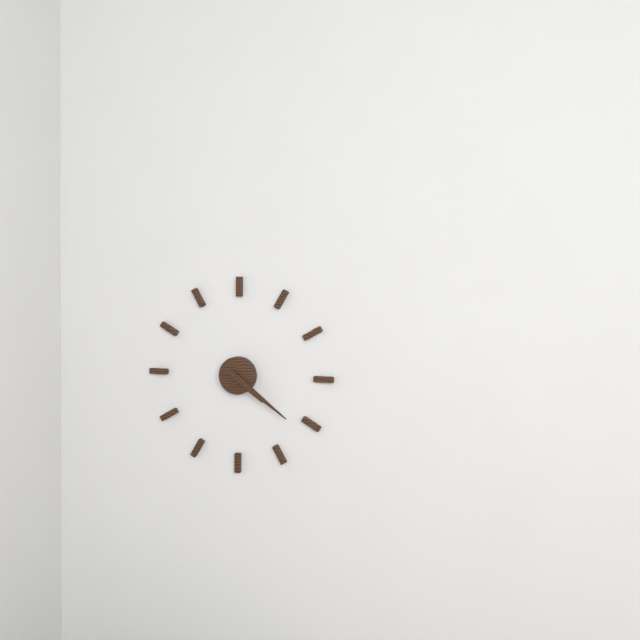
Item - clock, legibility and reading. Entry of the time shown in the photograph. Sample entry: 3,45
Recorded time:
4,21
